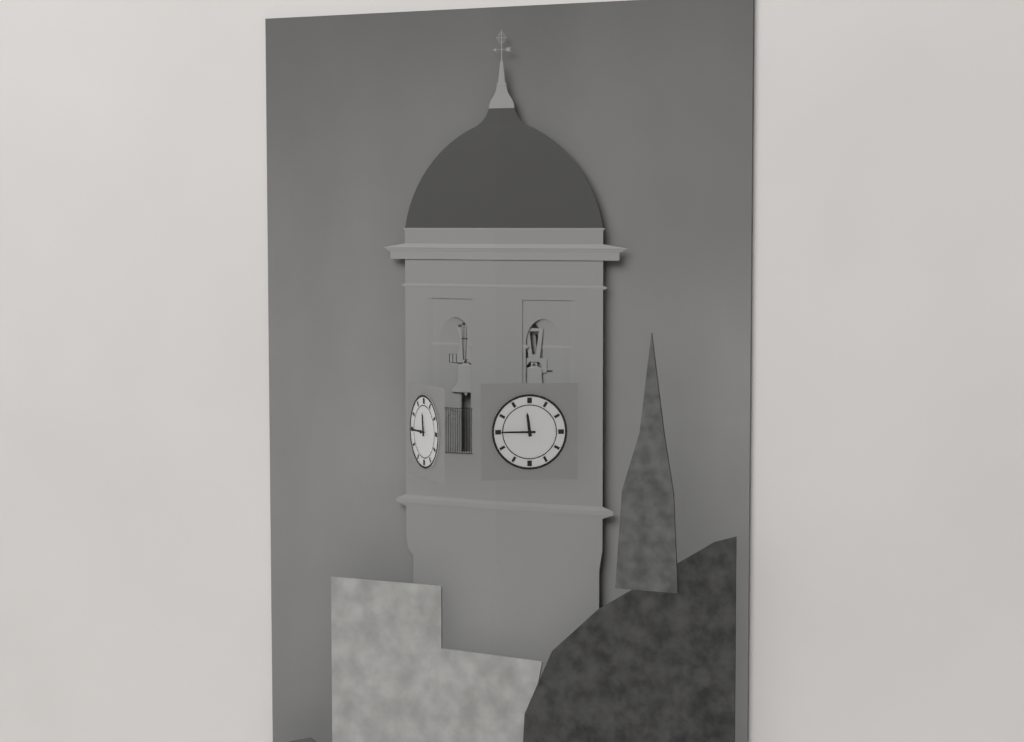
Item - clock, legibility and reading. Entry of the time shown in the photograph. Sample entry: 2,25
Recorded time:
11,45
